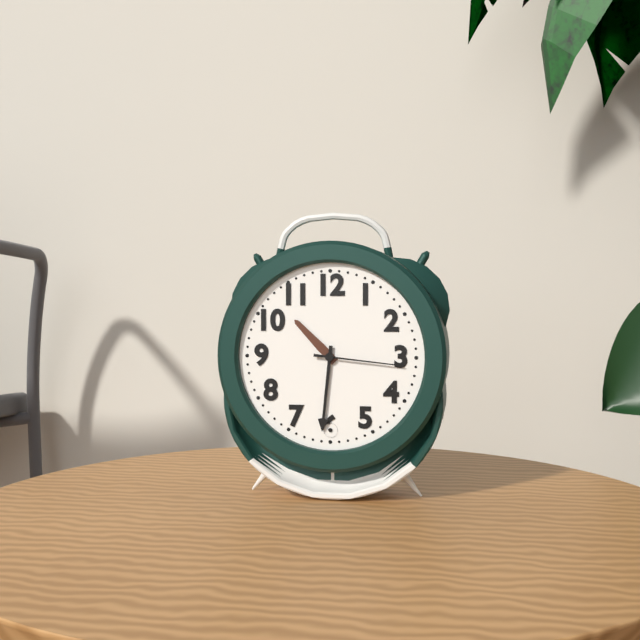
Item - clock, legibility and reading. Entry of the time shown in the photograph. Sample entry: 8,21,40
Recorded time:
10,31,16
